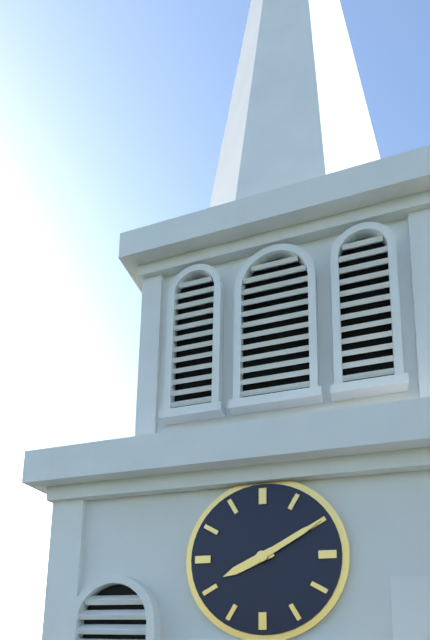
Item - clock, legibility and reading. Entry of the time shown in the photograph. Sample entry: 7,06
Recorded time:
8,10
